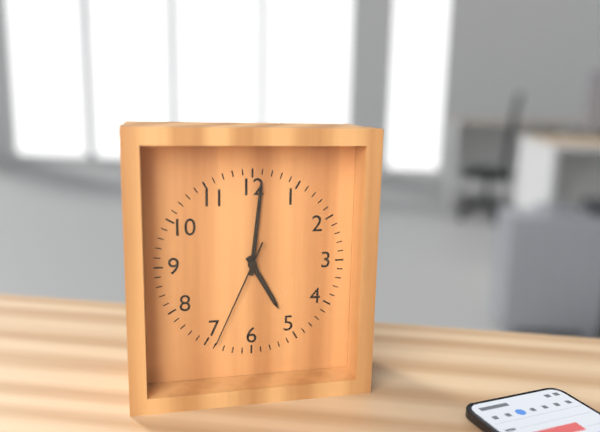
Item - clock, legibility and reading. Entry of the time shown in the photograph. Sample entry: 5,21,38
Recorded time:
5,01,34
